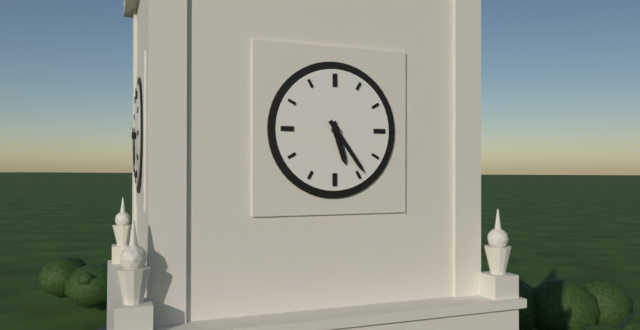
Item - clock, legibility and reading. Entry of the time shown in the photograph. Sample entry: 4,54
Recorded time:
5,24
